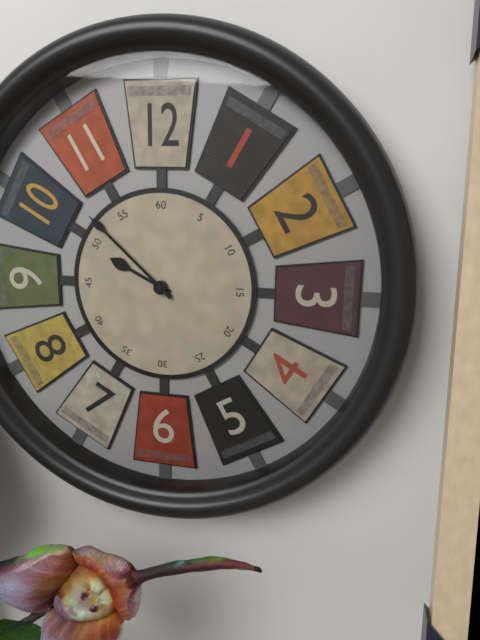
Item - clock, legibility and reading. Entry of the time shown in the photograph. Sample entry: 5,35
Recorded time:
9,52
